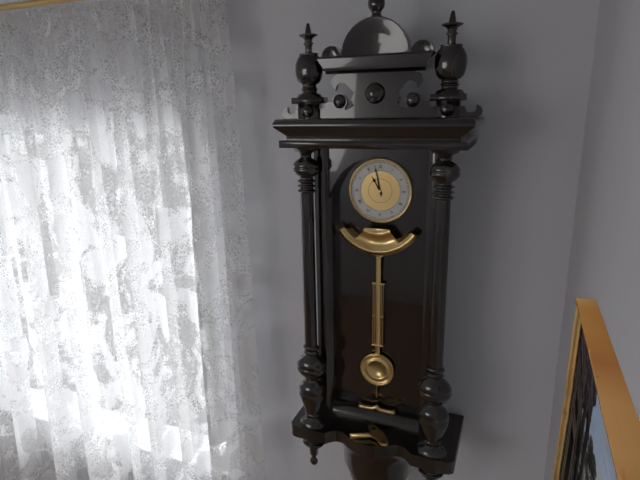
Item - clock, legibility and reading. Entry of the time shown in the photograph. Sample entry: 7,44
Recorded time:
10,58
